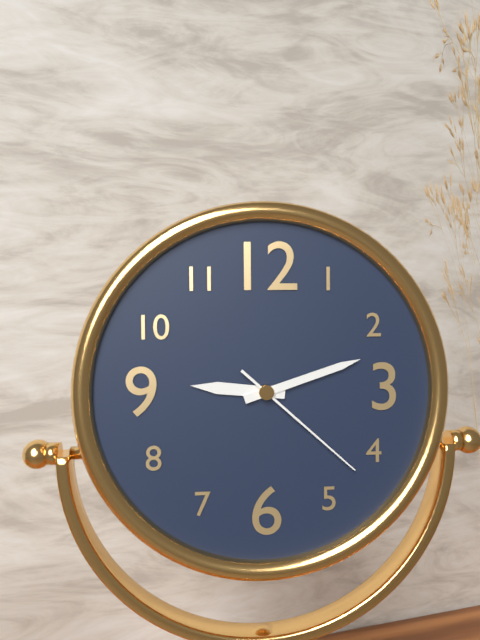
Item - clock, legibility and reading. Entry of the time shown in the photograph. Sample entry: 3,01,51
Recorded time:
9,12,22
